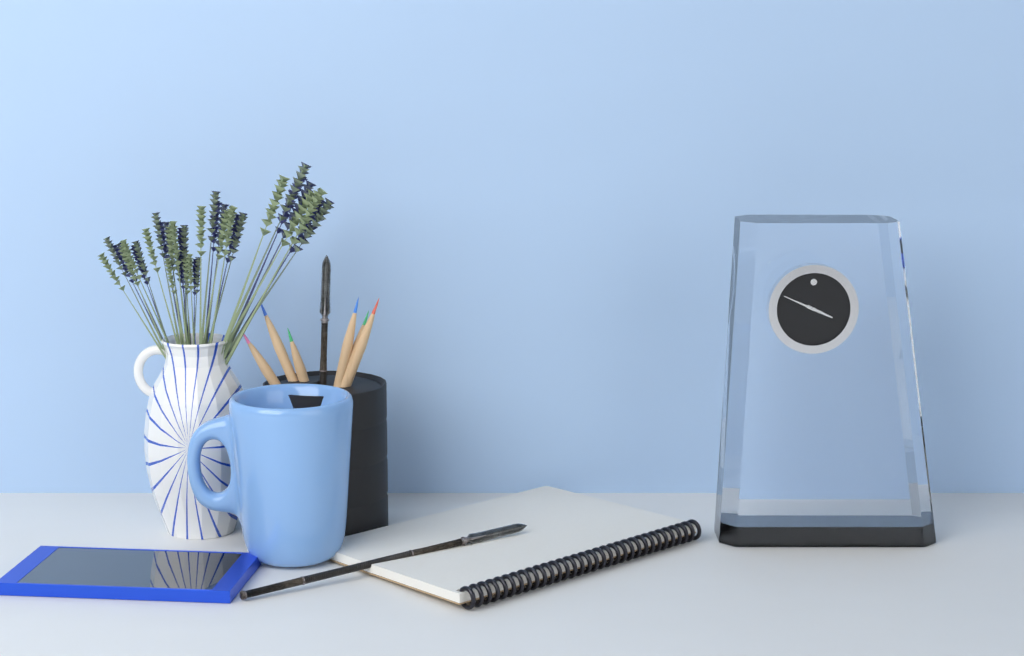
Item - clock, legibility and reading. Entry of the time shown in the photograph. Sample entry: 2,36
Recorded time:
3,49
